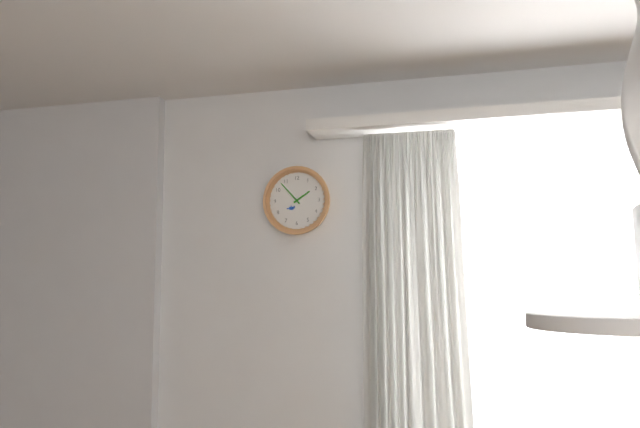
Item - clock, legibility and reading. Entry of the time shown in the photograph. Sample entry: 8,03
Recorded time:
1,53
